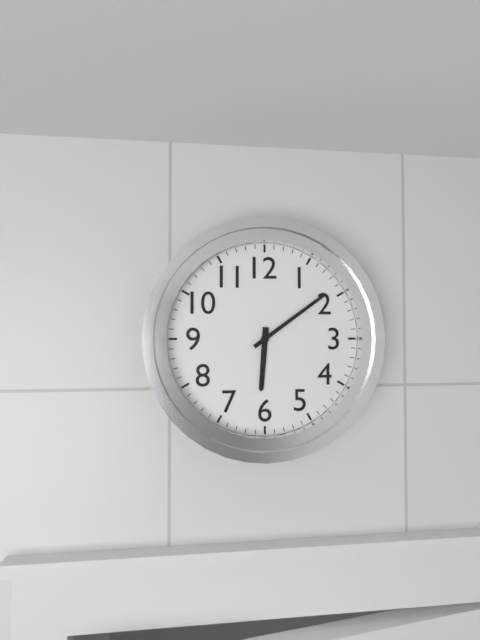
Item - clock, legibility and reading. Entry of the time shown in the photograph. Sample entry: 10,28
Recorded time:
6,09
